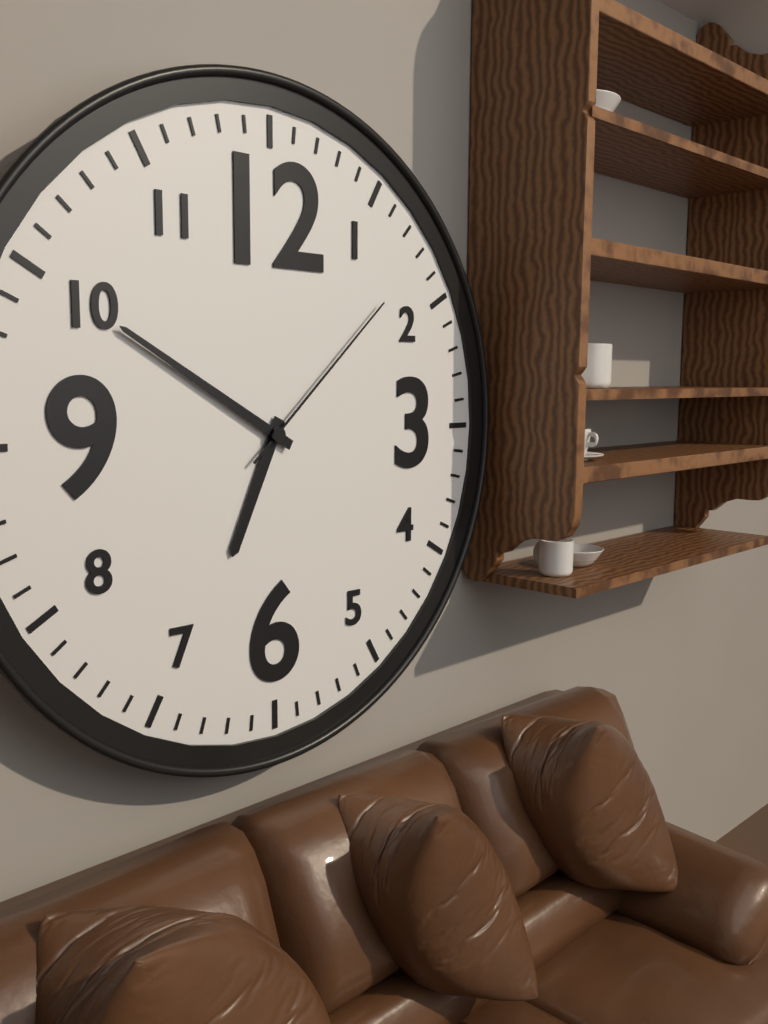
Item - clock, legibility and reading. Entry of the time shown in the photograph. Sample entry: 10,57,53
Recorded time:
6,50,08
